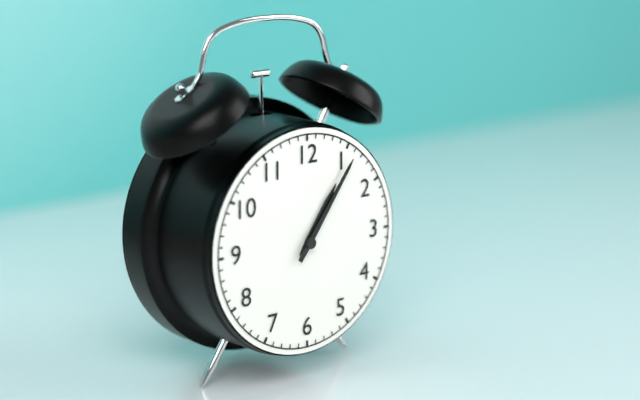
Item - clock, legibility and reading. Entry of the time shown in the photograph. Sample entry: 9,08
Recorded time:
1,06
